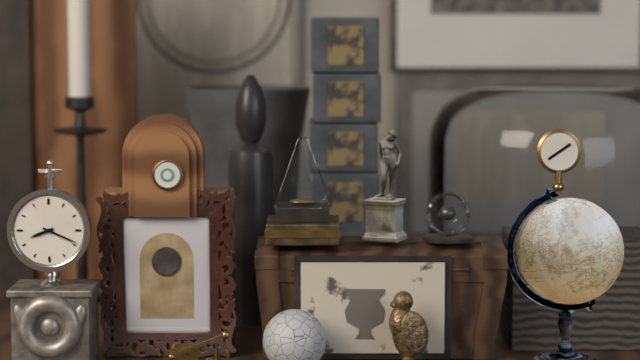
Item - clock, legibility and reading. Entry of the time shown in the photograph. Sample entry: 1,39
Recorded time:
8,19
